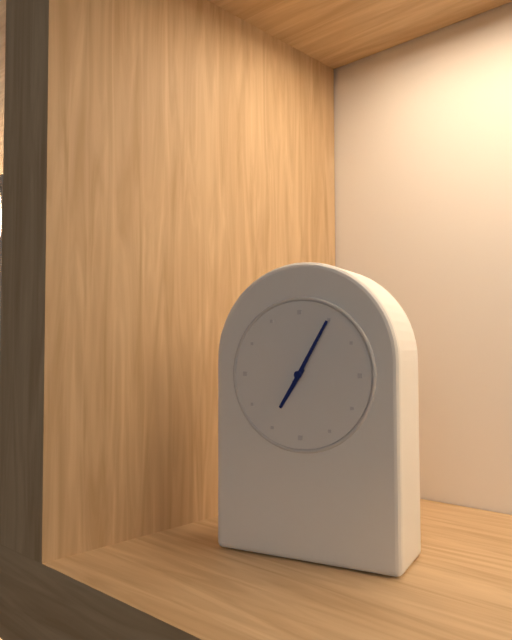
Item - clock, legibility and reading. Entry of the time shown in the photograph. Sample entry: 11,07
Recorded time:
7,05
